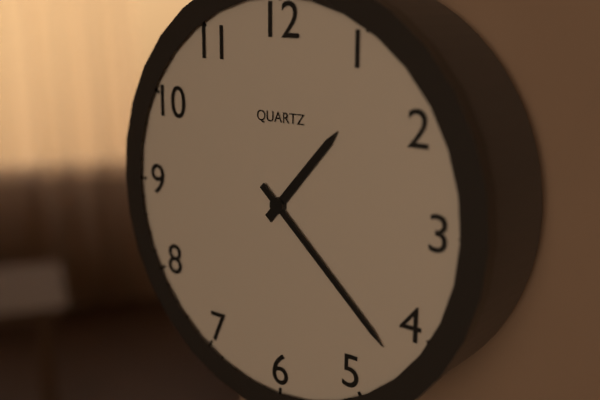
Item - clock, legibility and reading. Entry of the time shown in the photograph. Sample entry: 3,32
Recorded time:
1,22
